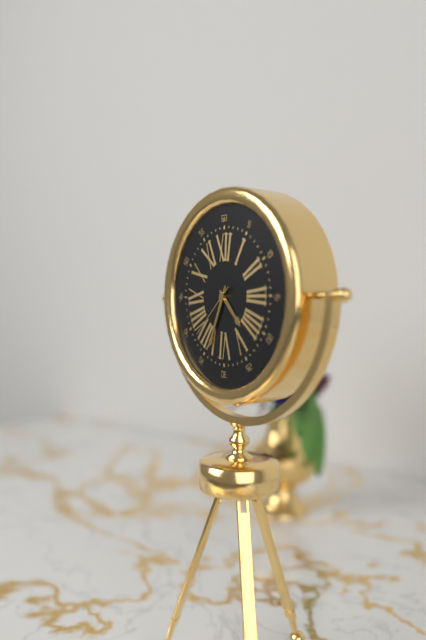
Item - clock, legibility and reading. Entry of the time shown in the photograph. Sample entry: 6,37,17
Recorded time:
4,34,38
